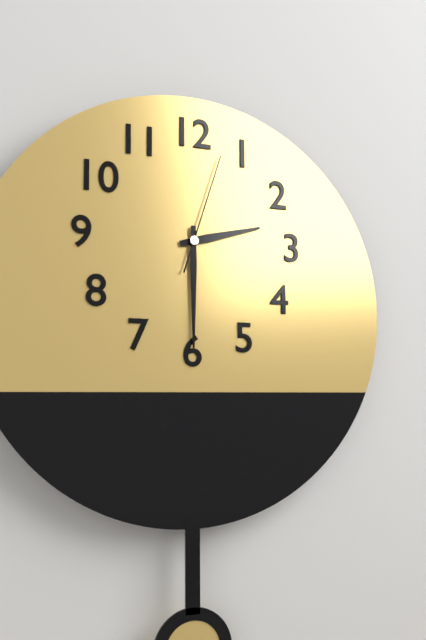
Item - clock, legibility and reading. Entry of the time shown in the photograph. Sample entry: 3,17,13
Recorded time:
2,30,03
